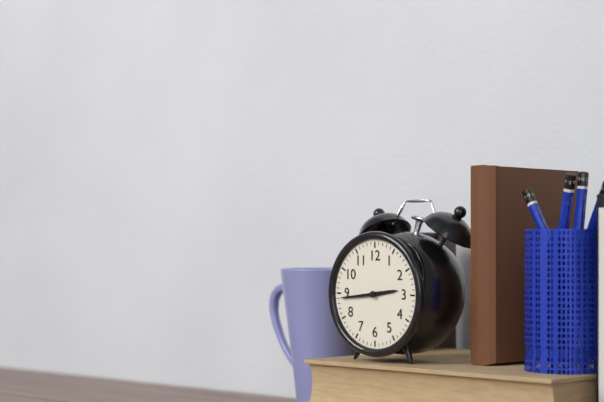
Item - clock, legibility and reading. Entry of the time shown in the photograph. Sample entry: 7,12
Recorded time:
2,44
